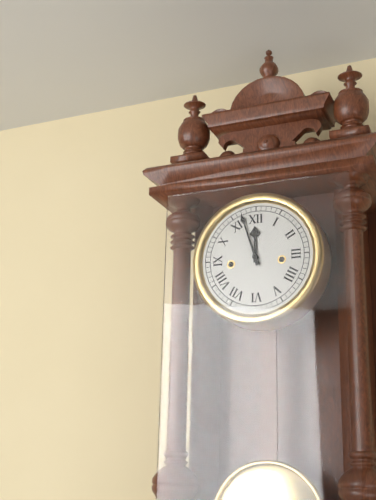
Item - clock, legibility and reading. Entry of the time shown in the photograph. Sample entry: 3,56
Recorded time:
11,57
